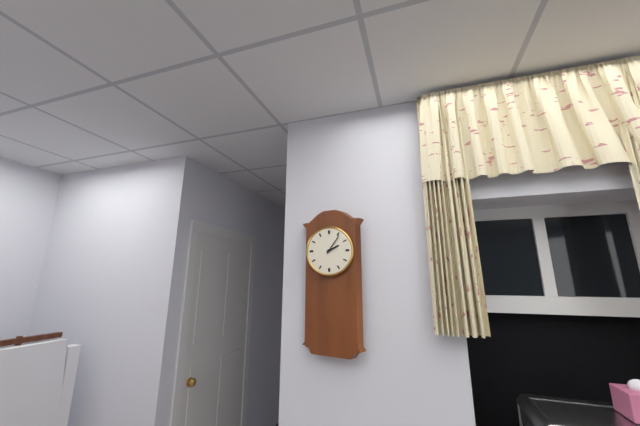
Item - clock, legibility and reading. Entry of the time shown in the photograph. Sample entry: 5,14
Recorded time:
2,06
